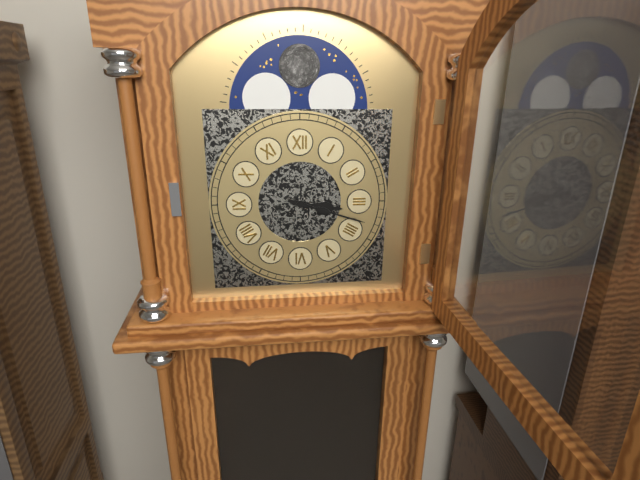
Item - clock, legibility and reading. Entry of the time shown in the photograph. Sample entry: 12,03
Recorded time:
3,18
